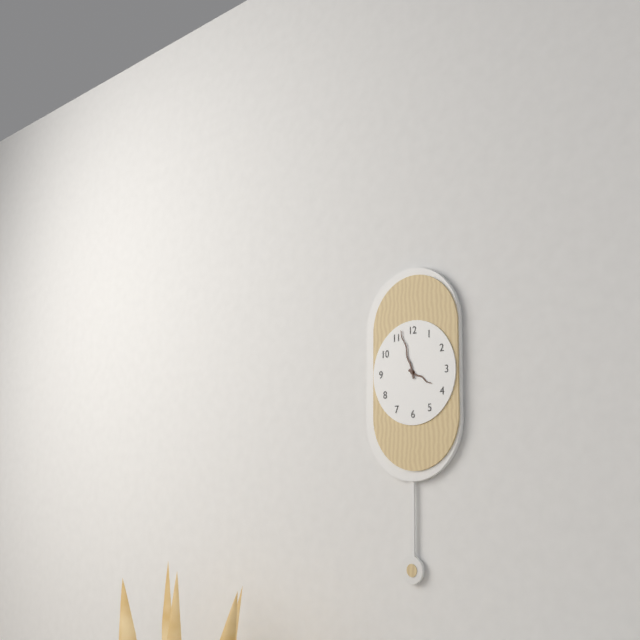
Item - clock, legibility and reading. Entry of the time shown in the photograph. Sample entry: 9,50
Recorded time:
3,57
